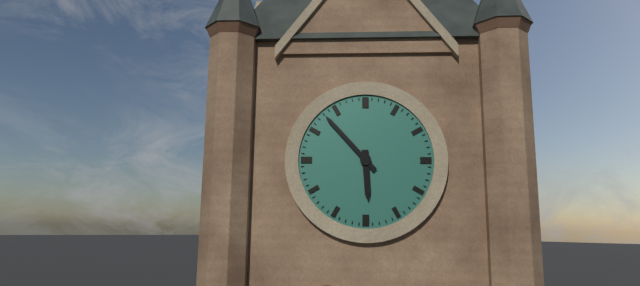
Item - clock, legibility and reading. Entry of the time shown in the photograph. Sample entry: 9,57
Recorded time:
5,53
